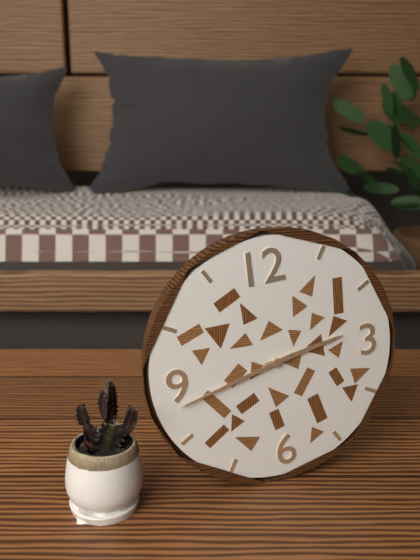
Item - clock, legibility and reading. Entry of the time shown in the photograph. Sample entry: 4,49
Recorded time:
2,43
